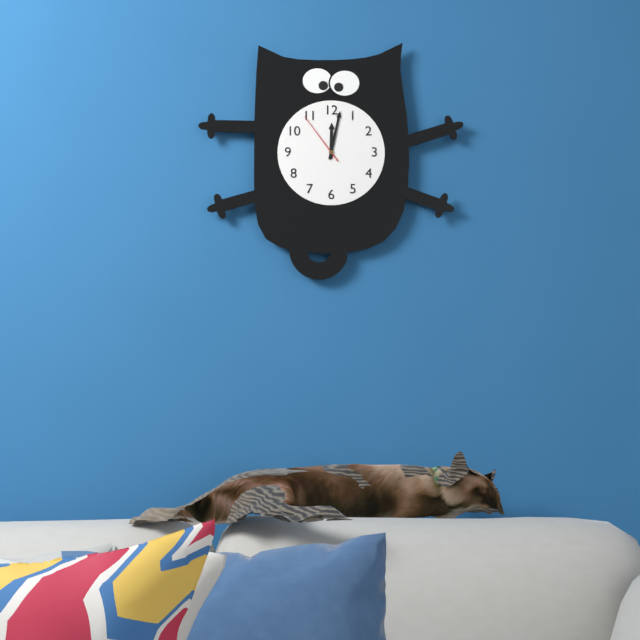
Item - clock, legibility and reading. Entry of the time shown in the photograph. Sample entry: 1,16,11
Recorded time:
12,02,54
